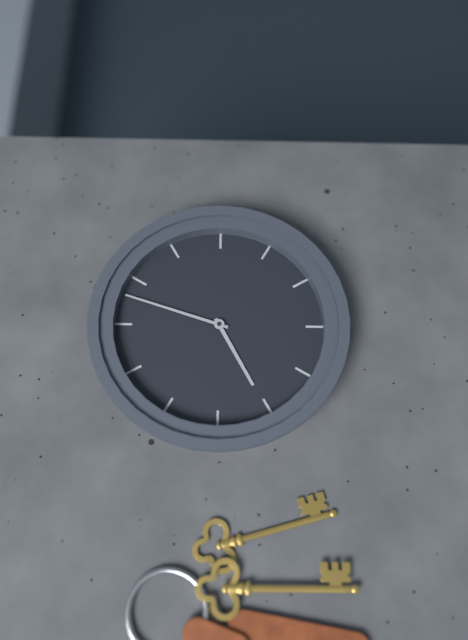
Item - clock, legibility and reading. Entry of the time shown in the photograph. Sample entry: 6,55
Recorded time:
8,03
